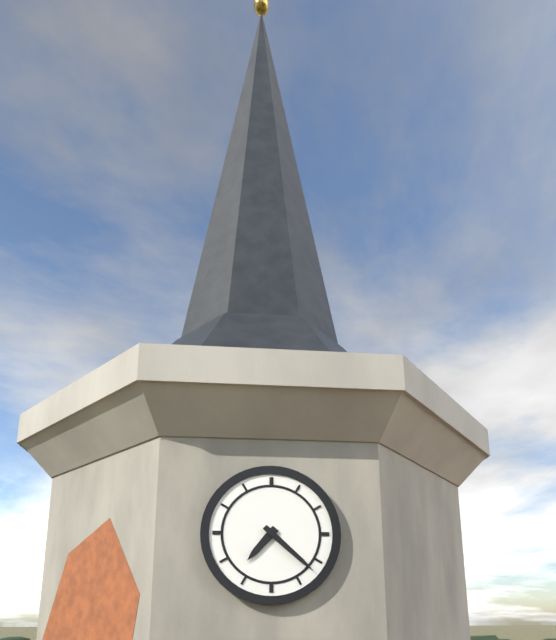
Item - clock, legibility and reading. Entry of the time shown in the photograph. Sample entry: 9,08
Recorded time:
7,22
